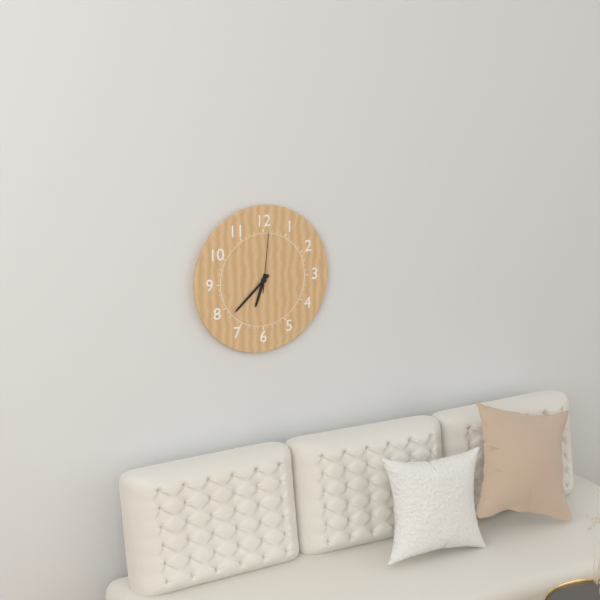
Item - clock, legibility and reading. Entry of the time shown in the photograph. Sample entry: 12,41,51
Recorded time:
6,38,01
